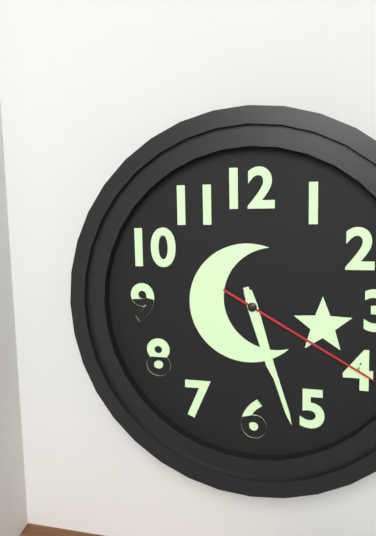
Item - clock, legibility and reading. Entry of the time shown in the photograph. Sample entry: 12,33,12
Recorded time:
5,27,20
